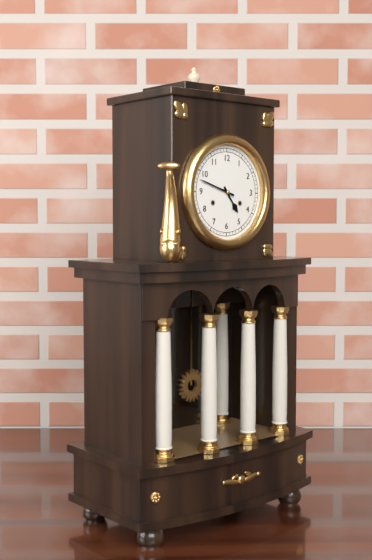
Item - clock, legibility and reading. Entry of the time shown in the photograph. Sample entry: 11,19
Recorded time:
4,48
